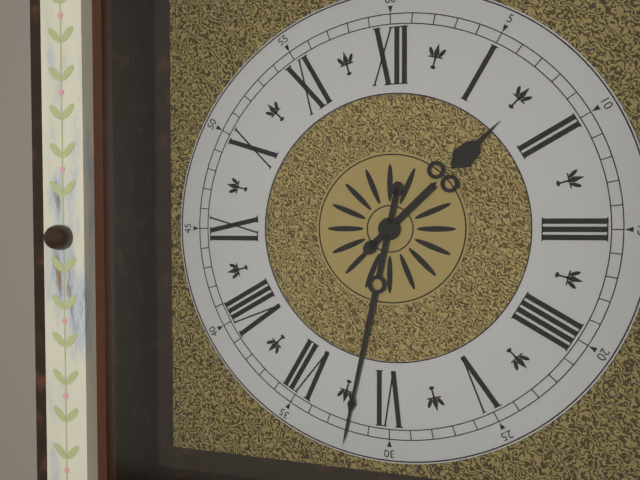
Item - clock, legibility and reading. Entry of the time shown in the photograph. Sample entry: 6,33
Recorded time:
1,32
